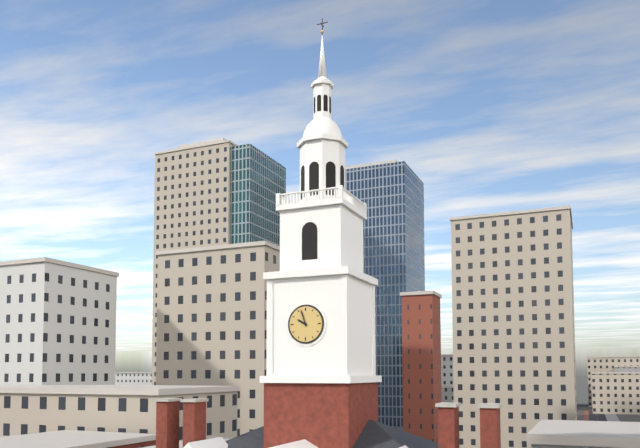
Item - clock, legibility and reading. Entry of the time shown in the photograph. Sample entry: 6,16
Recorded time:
9,57
